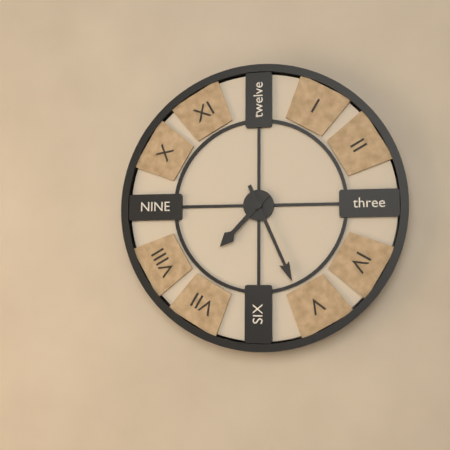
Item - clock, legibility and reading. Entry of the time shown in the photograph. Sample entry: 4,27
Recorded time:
7,26
